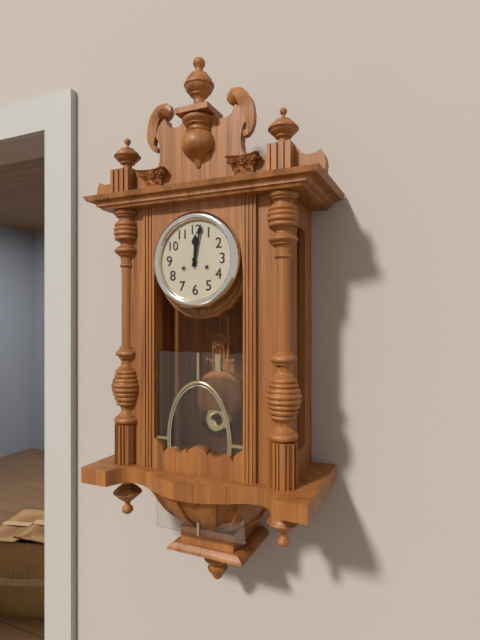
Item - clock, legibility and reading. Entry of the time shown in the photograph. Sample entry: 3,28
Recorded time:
12,02
